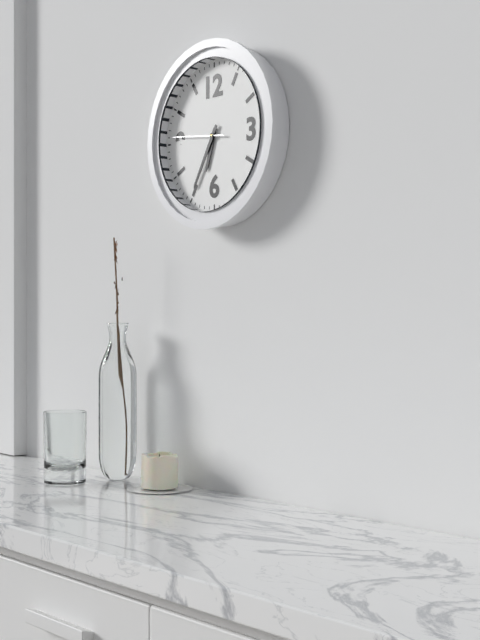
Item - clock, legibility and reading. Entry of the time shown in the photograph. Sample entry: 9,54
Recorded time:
6,35
